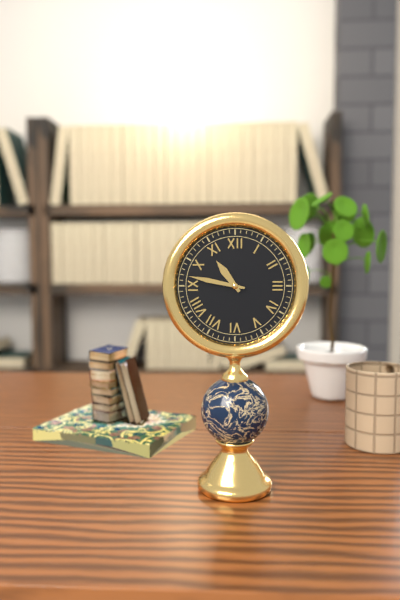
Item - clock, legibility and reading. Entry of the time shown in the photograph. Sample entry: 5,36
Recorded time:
10,47
